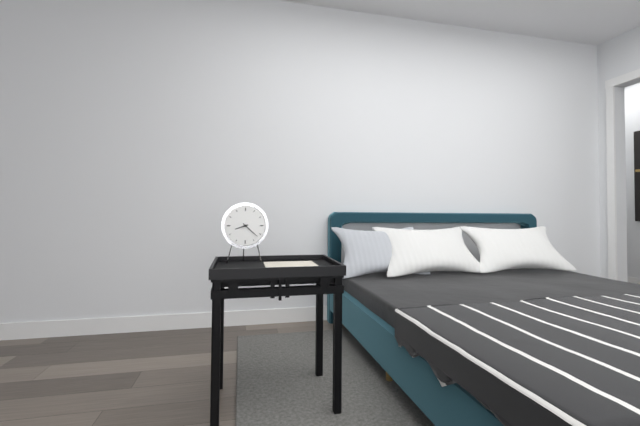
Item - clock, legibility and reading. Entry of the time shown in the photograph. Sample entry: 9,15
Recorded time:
8,22
